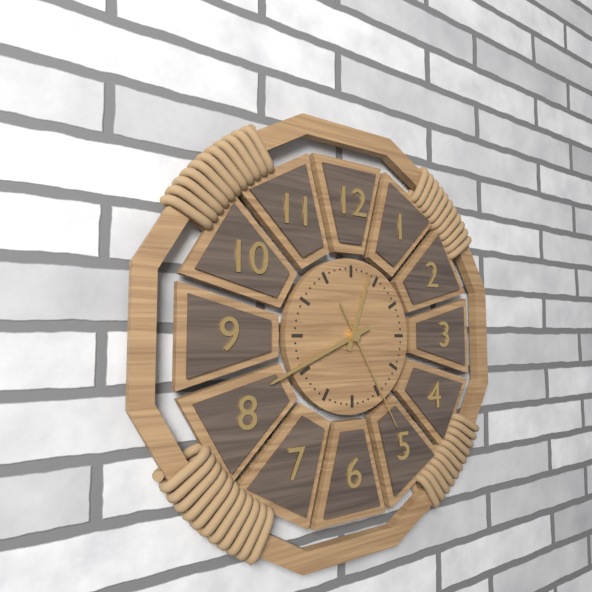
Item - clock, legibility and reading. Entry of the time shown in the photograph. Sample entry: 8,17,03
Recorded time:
12,41,25
